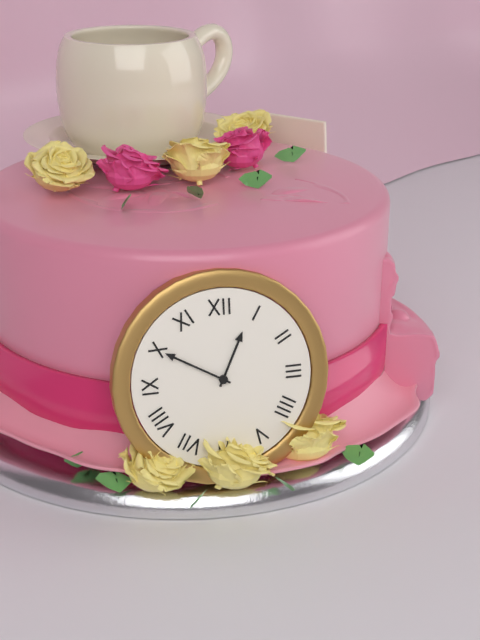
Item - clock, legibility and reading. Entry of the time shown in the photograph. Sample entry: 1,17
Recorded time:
12,50
